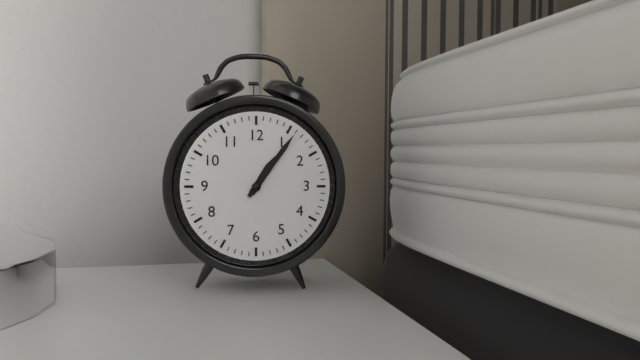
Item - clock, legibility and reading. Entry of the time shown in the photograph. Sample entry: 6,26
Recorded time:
1,06
